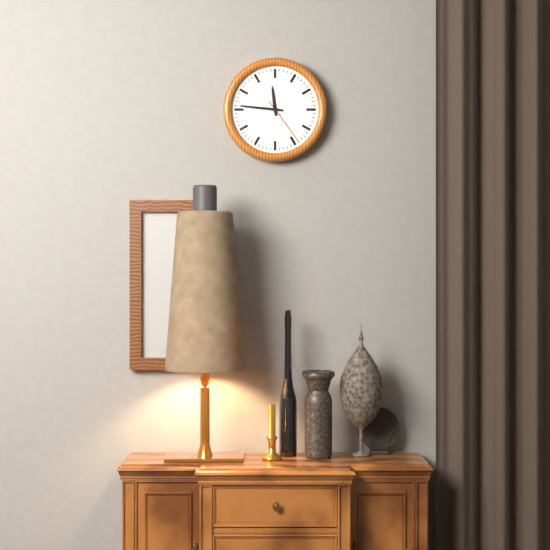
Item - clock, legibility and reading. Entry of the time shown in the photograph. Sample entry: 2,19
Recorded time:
11,46
